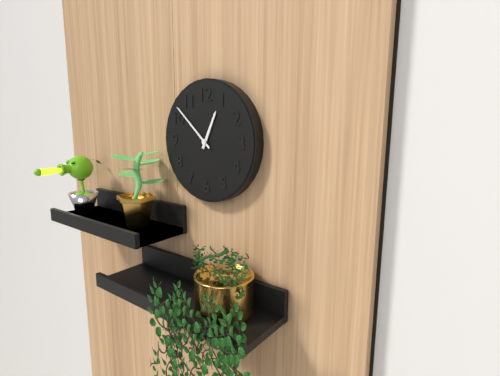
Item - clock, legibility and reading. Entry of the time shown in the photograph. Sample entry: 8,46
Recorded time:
12,52
